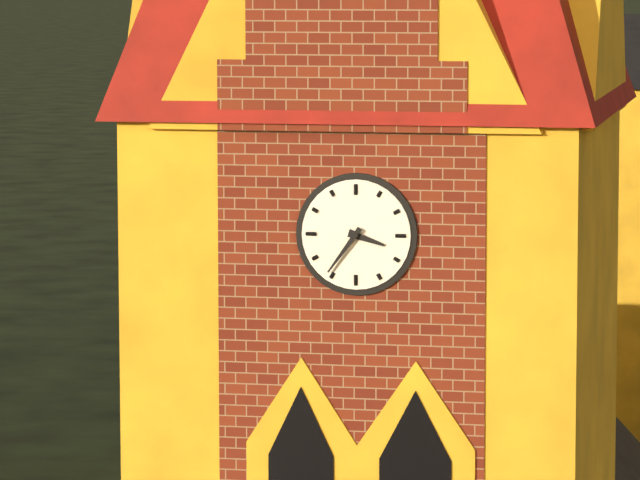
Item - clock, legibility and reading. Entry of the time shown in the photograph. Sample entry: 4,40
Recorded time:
3,36
